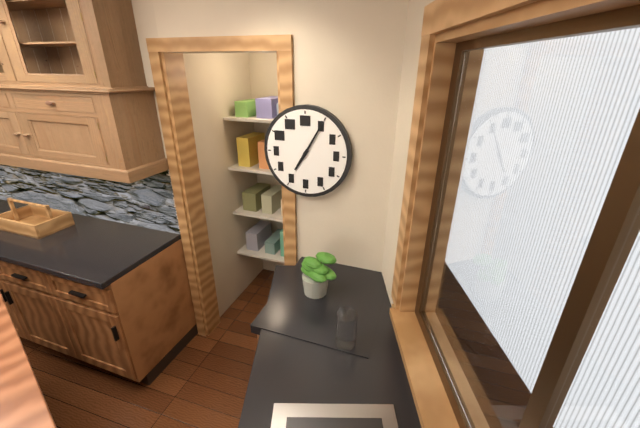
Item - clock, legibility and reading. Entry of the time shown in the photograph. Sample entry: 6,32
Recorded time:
7,05
